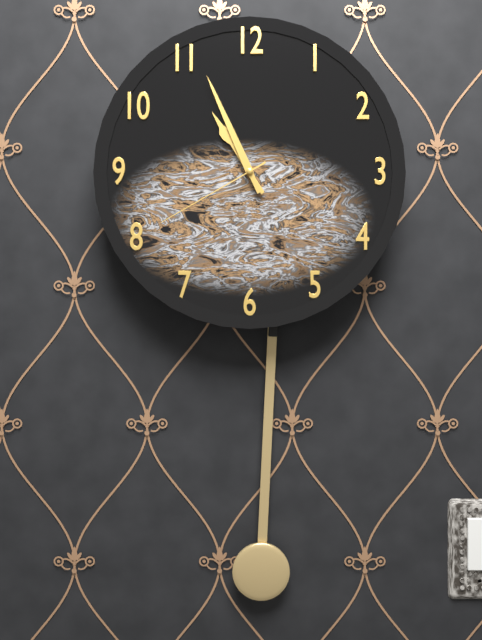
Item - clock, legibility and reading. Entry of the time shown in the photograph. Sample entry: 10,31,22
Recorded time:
10,56,40
